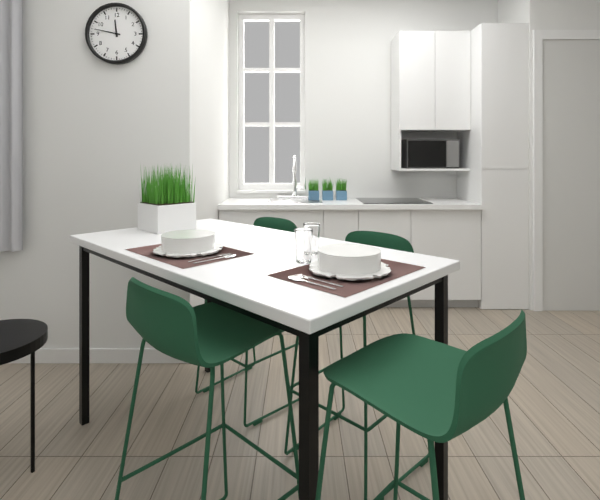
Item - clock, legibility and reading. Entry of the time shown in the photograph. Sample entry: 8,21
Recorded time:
11,47
